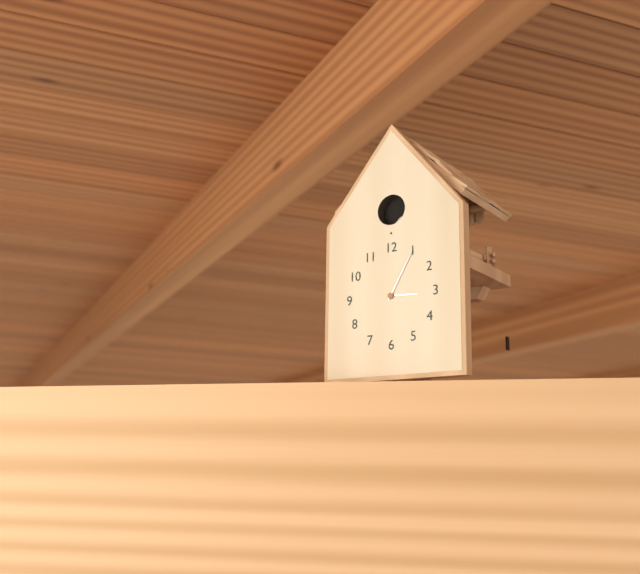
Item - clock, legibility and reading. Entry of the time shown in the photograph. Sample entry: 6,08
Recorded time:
3,05
